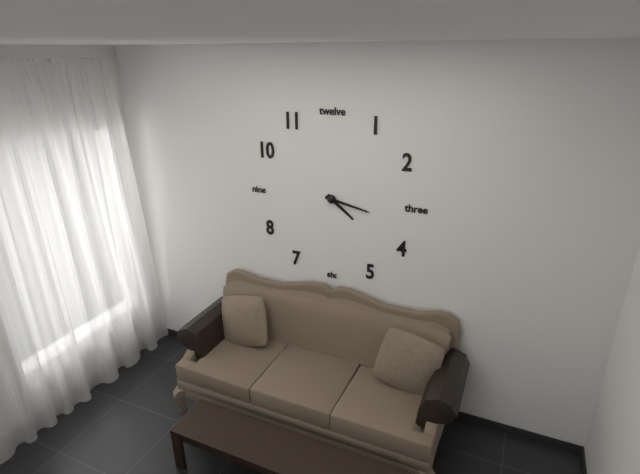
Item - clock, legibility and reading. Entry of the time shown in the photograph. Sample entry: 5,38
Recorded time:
4,17
